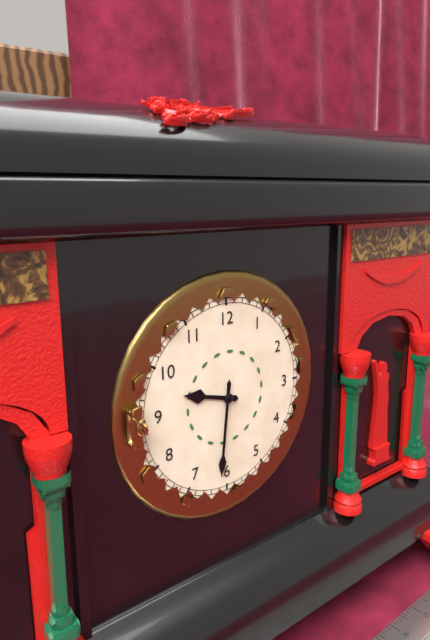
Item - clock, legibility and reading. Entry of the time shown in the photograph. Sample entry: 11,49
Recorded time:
9,31
